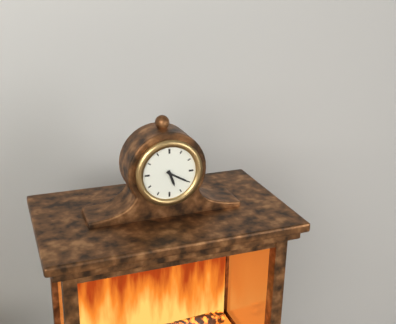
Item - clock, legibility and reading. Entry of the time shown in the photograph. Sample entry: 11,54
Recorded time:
5,20
